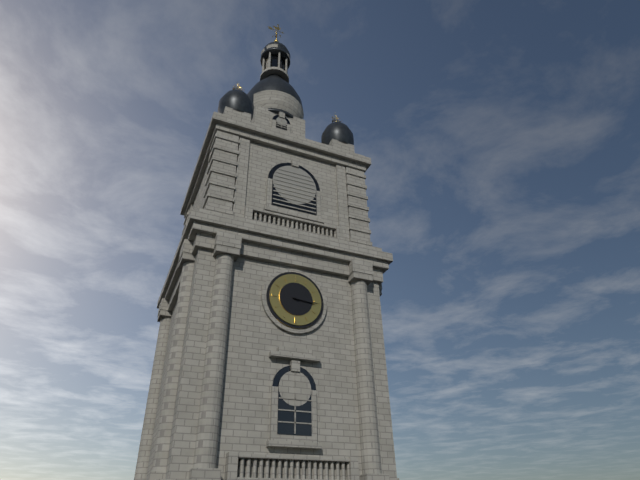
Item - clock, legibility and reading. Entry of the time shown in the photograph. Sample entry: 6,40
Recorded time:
3,16
